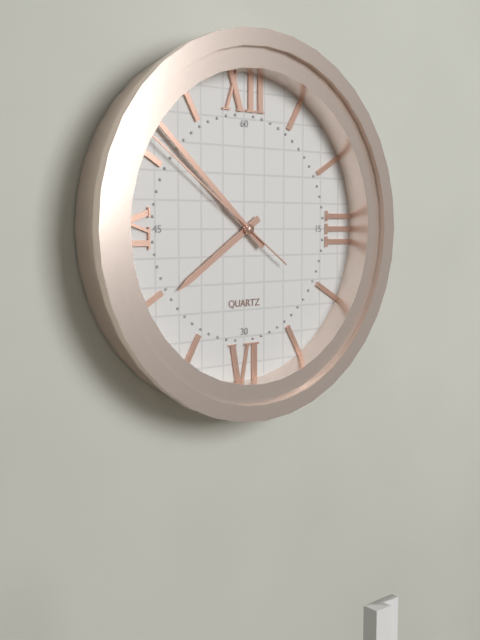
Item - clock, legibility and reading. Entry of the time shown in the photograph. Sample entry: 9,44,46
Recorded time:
7,52,51
